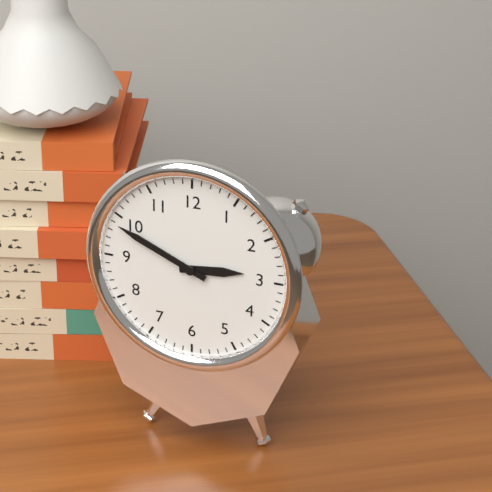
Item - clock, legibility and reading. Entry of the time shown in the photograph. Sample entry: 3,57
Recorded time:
2,49
